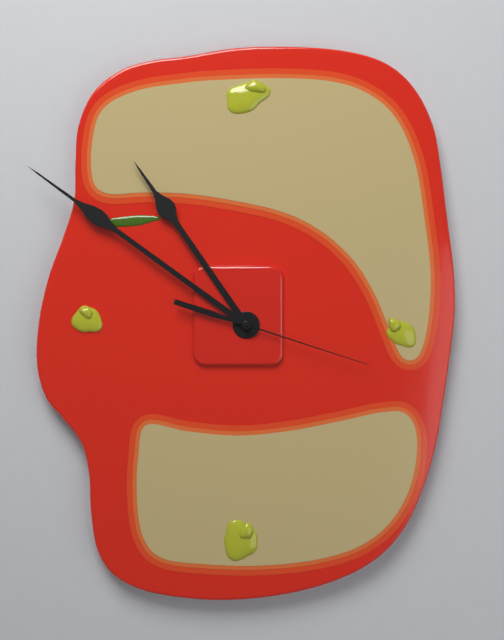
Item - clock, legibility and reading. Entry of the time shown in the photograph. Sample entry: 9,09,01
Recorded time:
10,51,18
